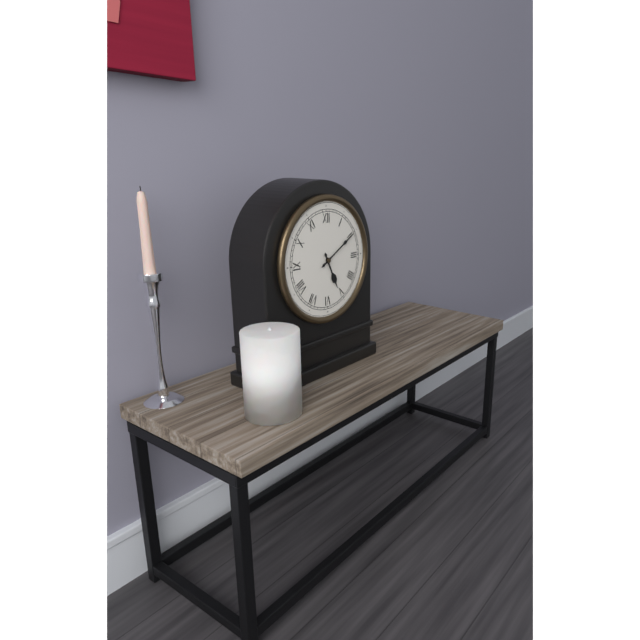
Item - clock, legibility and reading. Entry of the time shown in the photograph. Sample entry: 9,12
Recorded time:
5,10
